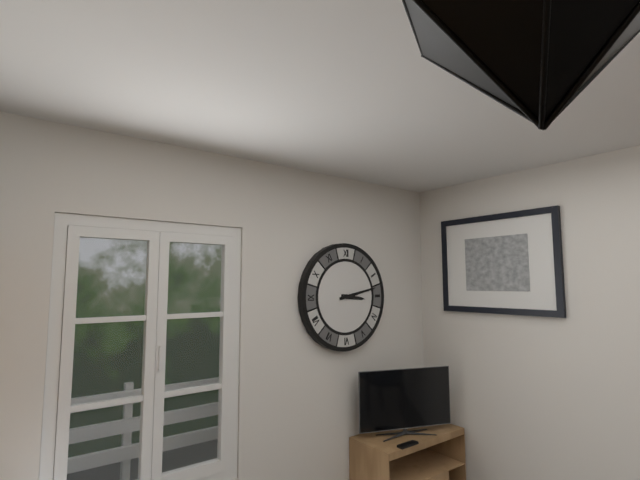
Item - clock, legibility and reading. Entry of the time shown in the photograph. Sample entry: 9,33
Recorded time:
3,13
